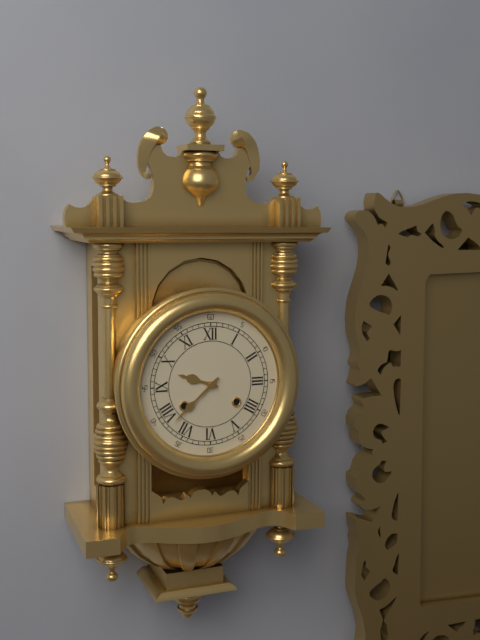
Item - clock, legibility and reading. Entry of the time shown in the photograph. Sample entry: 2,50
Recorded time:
9,38
